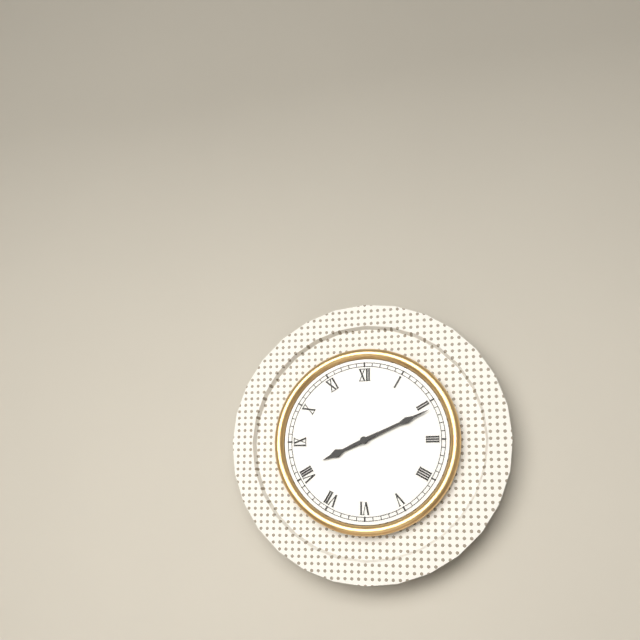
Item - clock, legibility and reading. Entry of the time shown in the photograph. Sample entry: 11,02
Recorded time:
8,11
